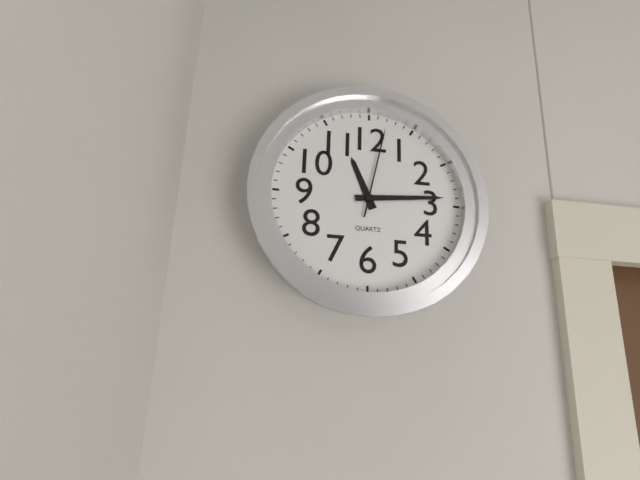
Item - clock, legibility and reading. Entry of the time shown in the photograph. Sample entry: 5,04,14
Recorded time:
11,14,02
